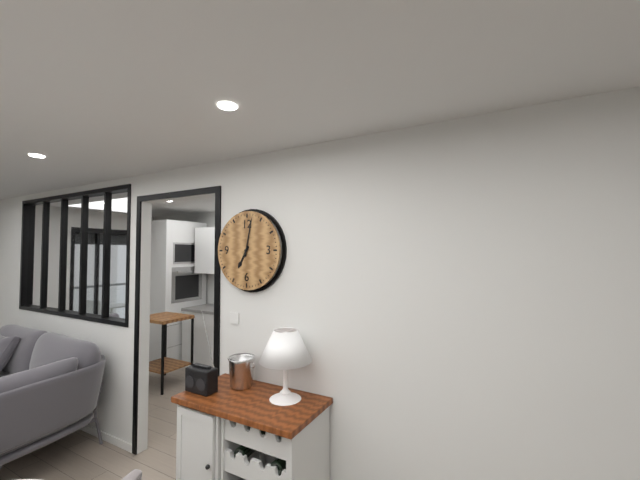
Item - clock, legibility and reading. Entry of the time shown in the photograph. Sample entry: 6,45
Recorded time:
7,02
